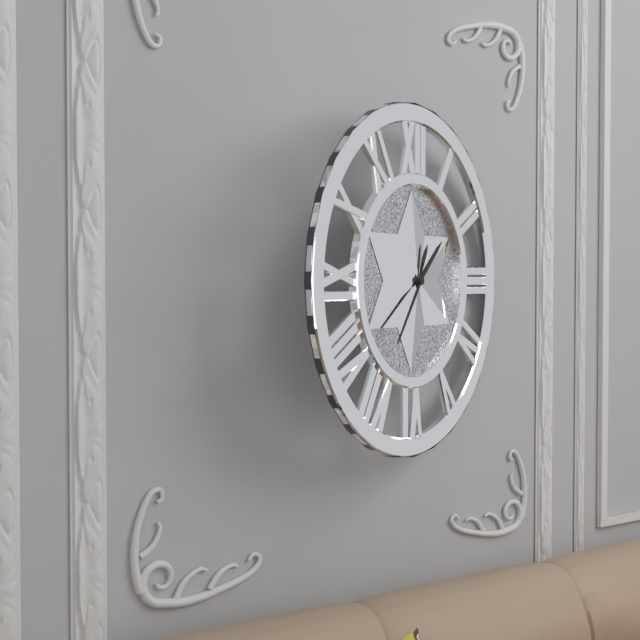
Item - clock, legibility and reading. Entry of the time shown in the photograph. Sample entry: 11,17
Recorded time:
1,36
